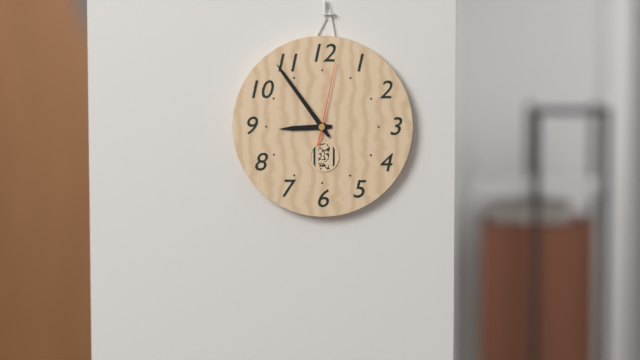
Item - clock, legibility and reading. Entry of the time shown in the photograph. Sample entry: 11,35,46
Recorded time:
8,54,02
